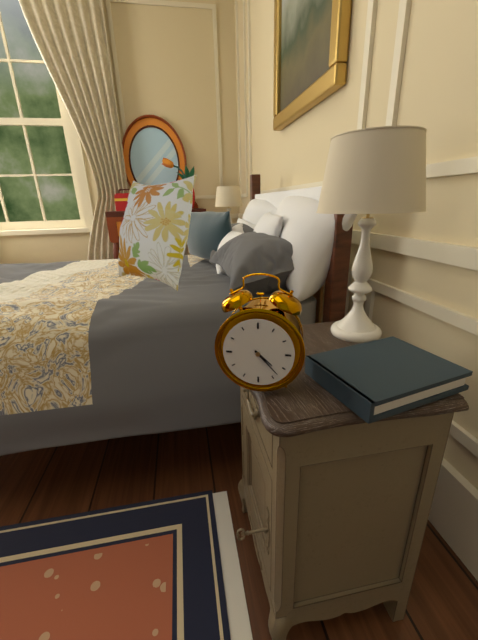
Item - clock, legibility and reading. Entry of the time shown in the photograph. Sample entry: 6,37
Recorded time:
4,23
